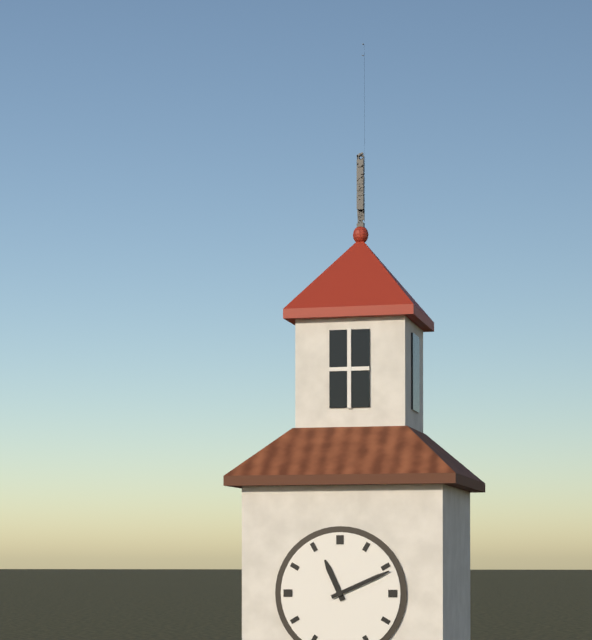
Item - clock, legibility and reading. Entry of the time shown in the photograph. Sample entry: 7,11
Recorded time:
11,11
